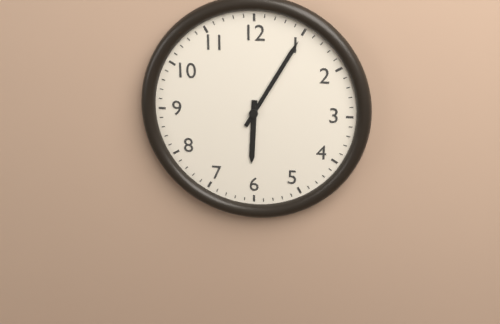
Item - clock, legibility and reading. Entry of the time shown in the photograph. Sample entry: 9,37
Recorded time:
6,05
